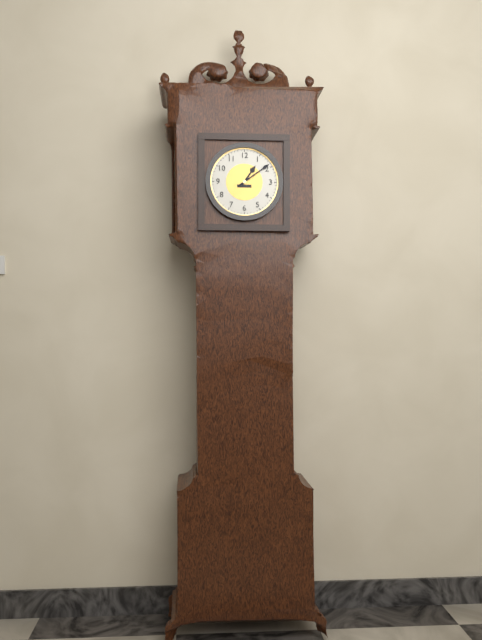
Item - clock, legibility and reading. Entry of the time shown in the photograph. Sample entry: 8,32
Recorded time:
1,09
